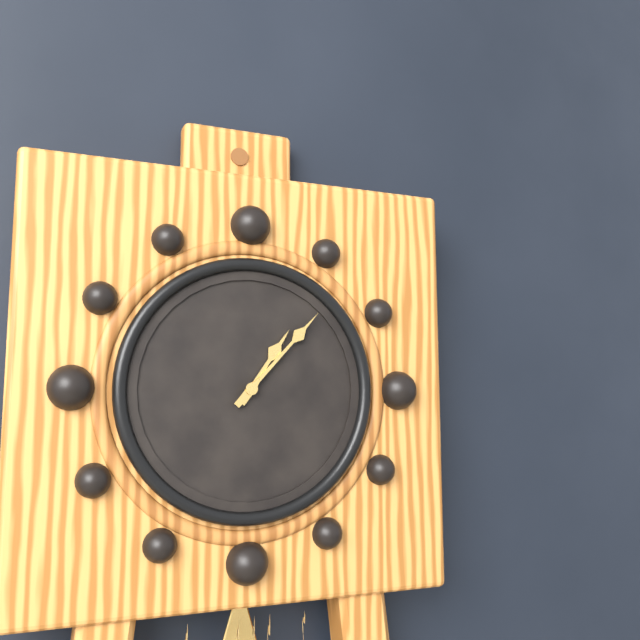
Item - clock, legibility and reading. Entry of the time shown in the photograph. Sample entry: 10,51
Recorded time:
1,07
